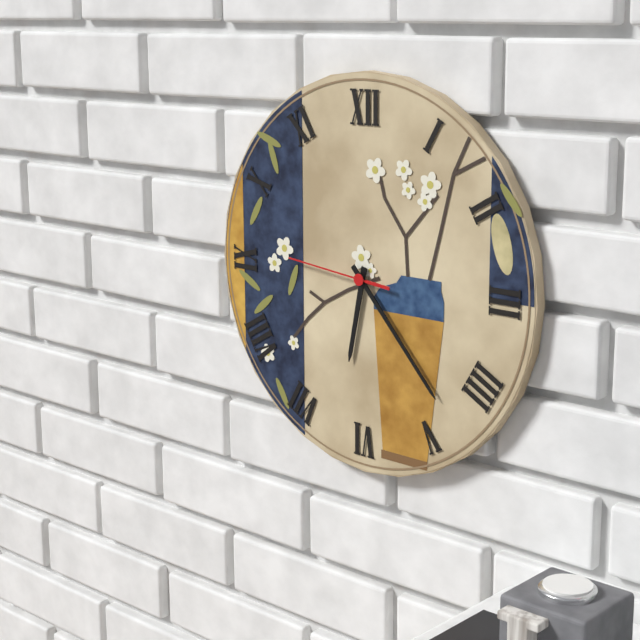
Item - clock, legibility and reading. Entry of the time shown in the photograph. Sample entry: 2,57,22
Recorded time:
6,23,46
